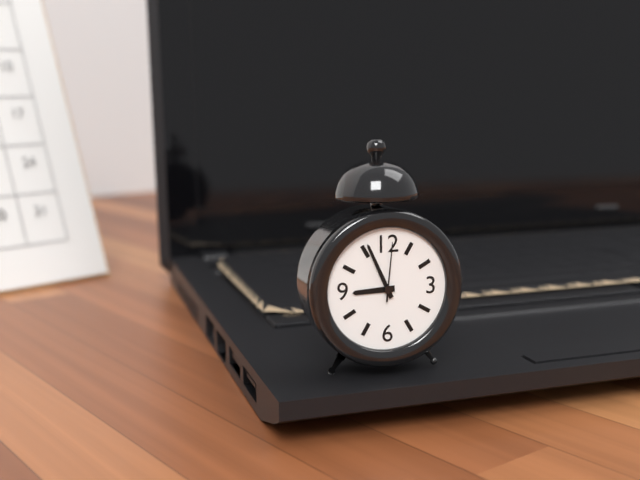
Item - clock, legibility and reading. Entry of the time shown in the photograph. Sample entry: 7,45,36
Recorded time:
8,56,01
